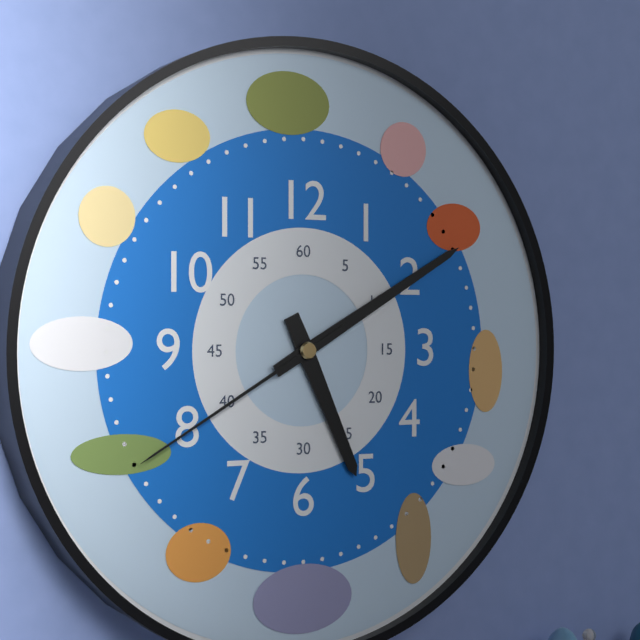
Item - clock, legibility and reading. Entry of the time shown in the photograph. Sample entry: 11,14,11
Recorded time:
5,10,40
